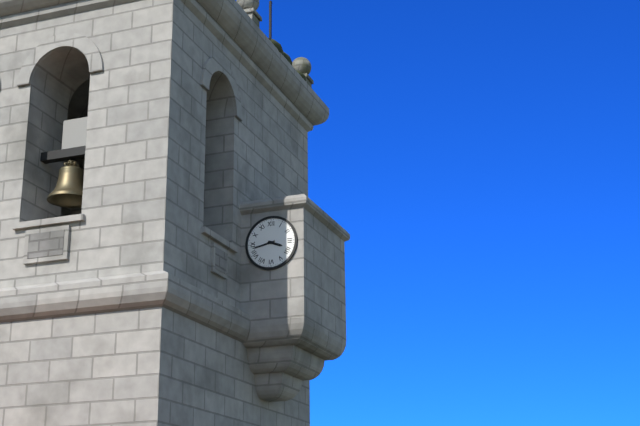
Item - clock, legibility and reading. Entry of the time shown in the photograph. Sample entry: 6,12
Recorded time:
3,43
